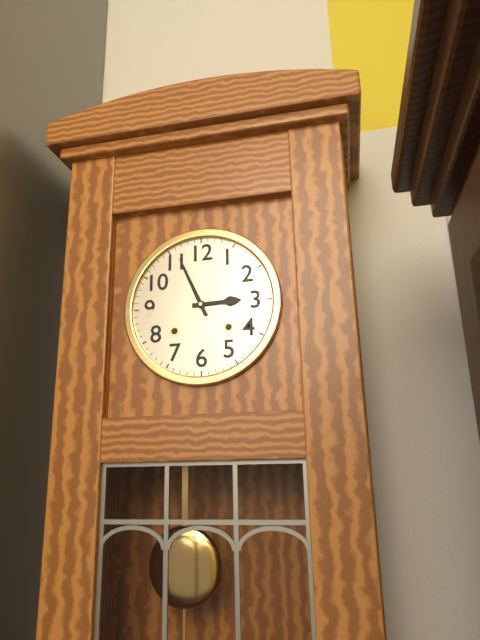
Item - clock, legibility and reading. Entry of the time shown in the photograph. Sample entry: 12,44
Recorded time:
2,56
